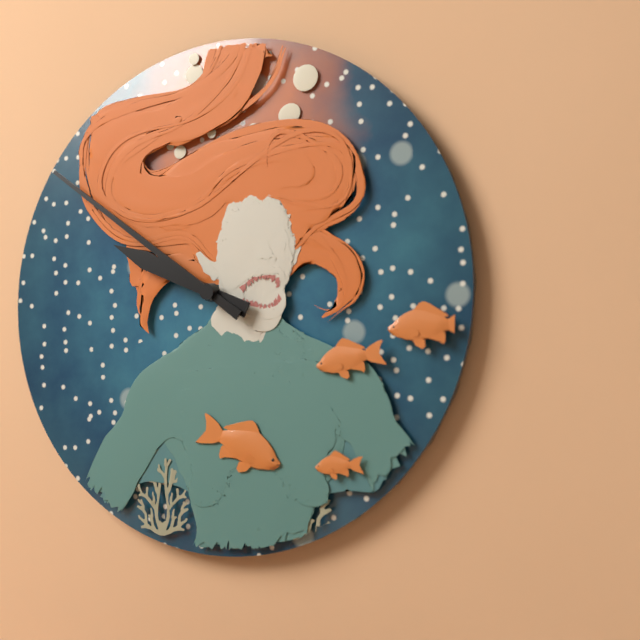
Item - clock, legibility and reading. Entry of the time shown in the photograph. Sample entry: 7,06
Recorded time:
9,51
